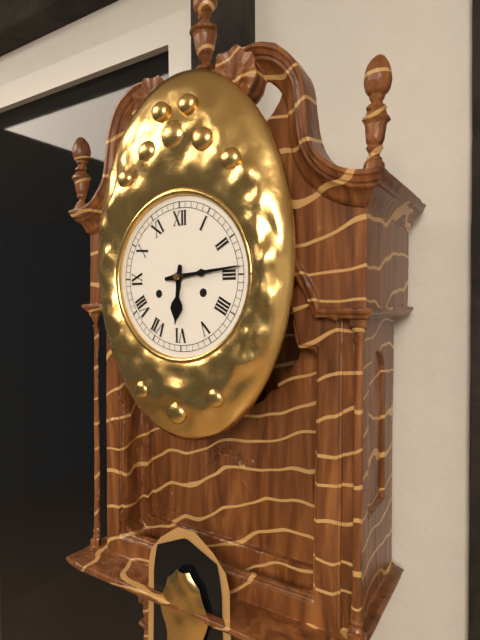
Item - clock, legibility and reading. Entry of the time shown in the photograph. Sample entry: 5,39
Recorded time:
6,14
